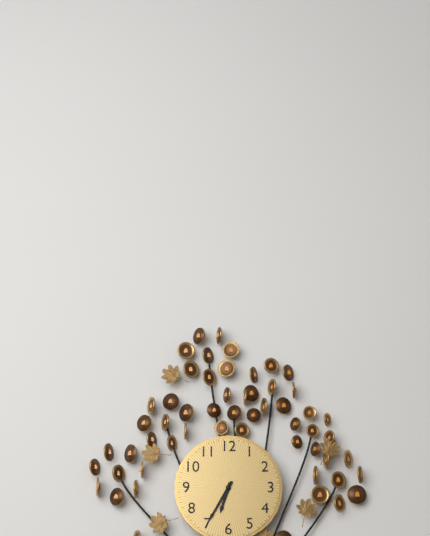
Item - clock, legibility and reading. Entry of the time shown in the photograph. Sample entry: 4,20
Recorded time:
6,35
